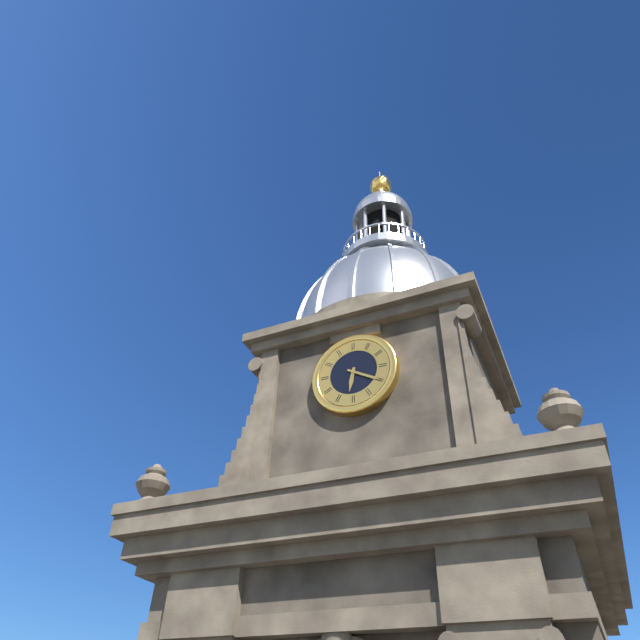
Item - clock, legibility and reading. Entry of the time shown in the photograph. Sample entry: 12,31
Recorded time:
6,20
